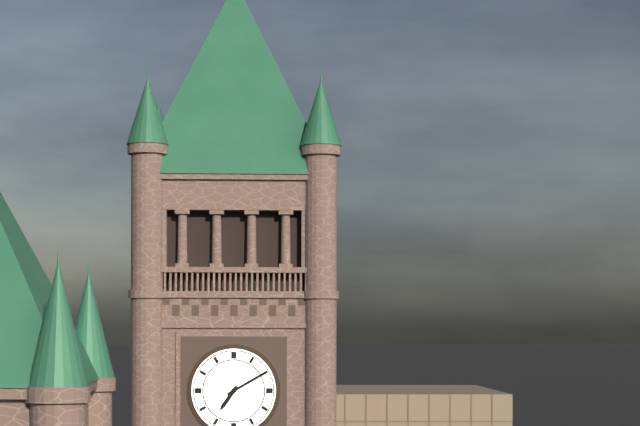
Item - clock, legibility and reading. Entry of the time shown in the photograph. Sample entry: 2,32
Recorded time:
7,10
